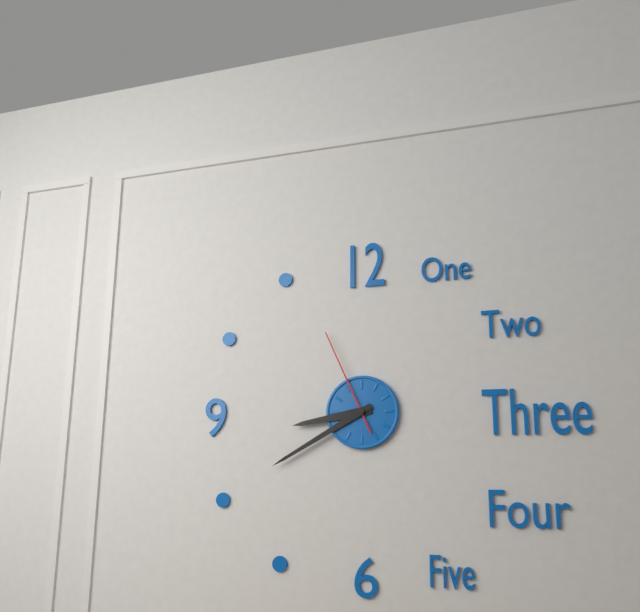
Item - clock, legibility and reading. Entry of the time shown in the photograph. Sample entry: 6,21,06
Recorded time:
8,40,56
